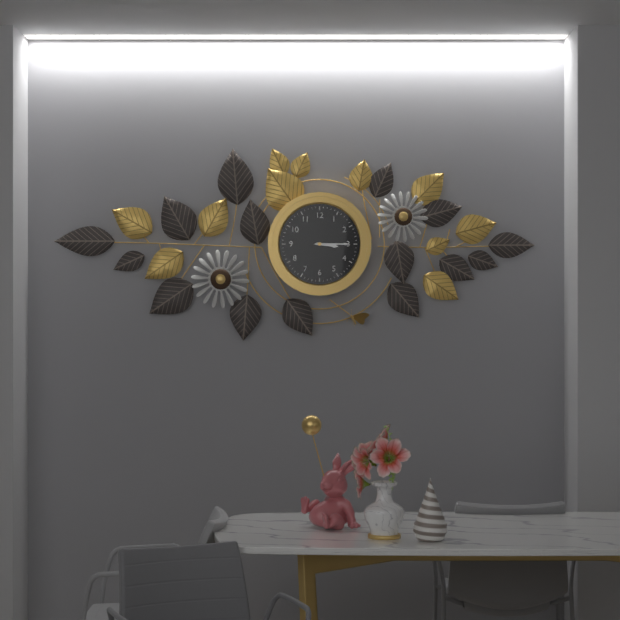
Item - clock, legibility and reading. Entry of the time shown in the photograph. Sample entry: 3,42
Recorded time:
3,15
